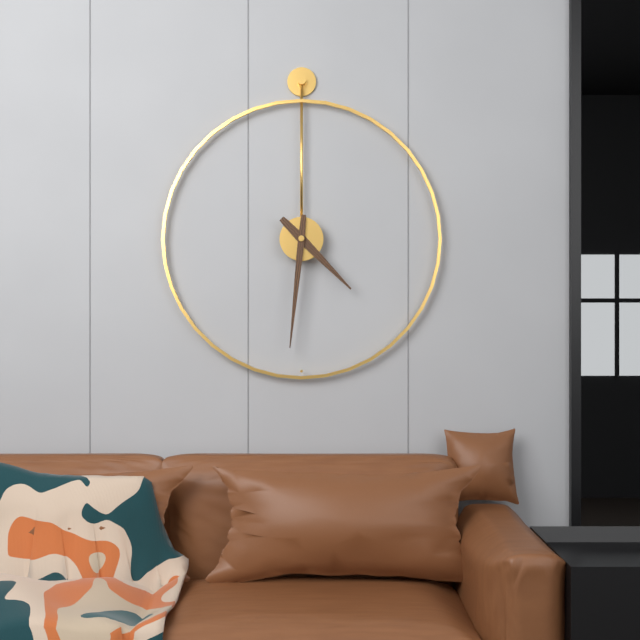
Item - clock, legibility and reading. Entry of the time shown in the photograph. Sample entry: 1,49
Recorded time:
4,31
